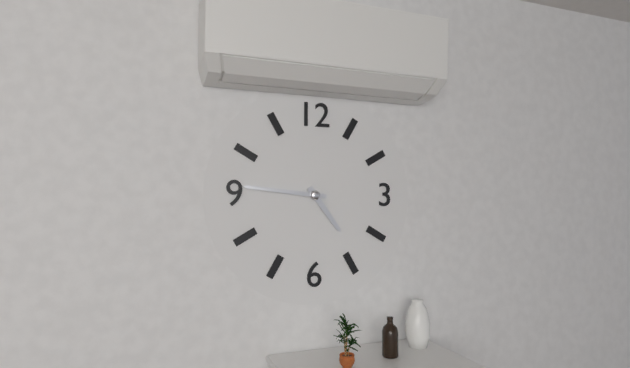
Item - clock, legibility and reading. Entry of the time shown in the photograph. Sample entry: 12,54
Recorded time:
4,46
